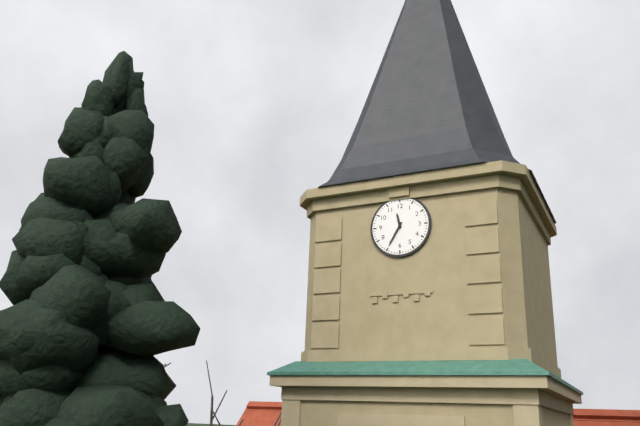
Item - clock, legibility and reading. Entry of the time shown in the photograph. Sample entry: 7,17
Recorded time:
11,35
